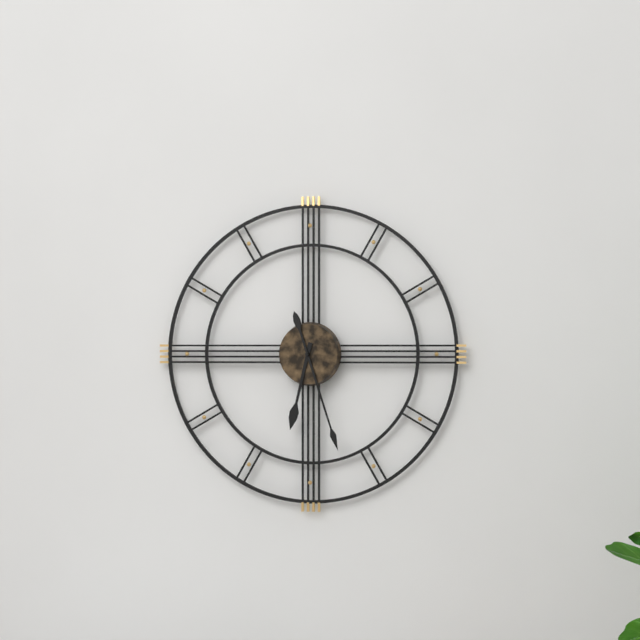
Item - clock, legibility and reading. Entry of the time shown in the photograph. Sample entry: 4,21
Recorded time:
6,27
